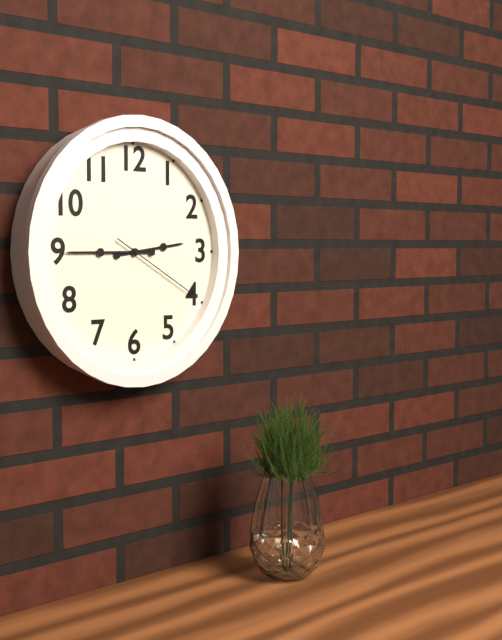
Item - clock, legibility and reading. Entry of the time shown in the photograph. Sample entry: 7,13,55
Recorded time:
2,45,20
